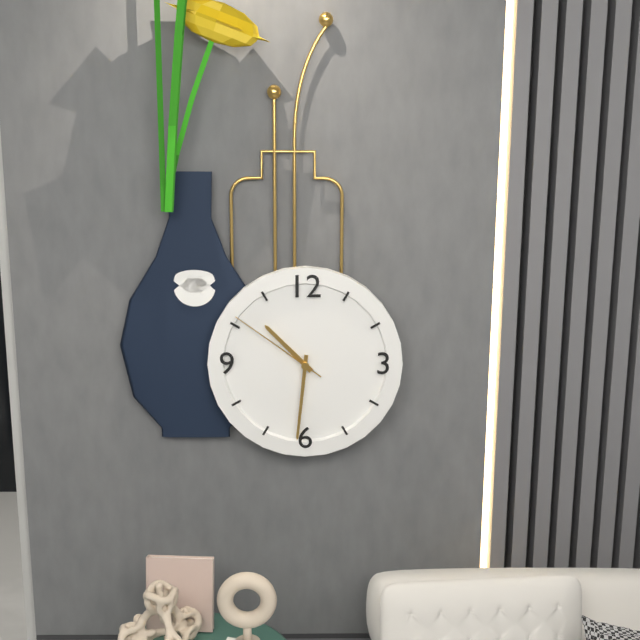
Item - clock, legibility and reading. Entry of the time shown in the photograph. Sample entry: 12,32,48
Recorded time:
10,31,51
